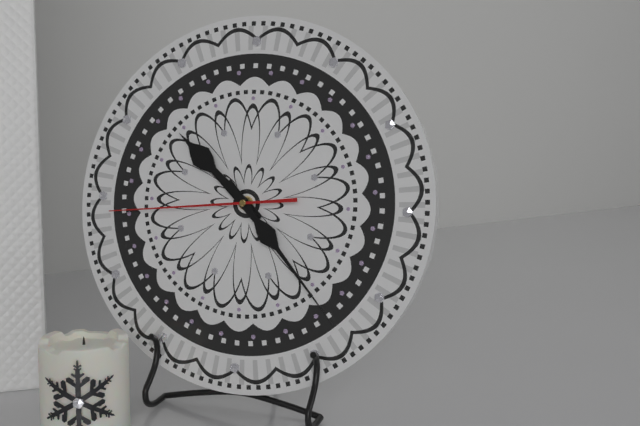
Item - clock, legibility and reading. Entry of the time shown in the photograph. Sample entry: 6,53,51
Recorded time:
10,23,44
